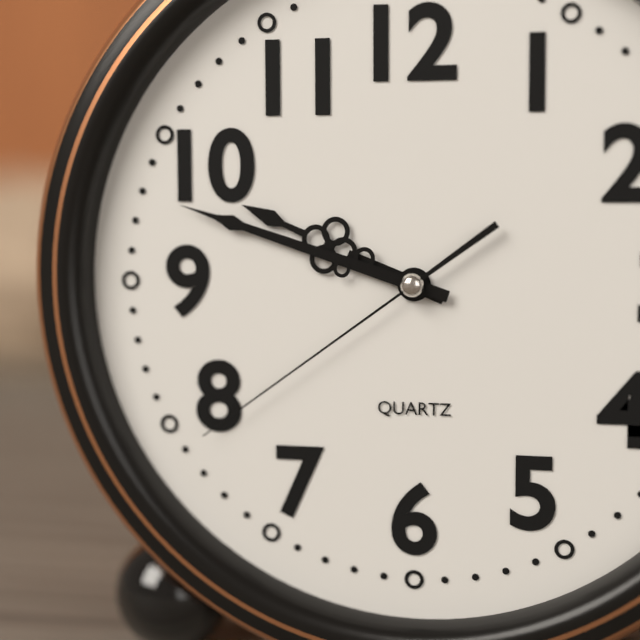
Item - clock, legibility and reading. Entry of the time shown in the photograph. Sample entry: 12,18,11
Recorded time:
9,48,39
